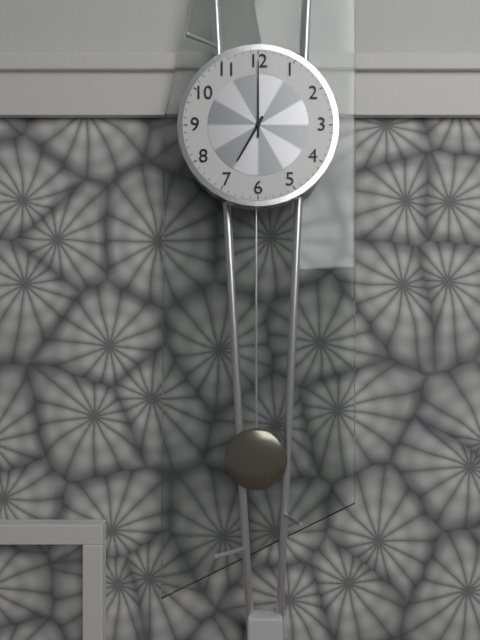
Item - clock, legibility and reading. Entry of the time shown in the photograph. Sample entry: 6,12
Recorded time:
7,00
